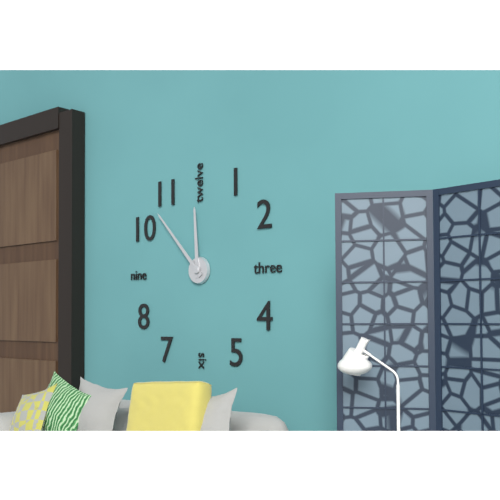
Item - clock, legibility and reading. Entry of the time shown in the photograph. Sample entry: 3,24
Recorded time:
11,53
